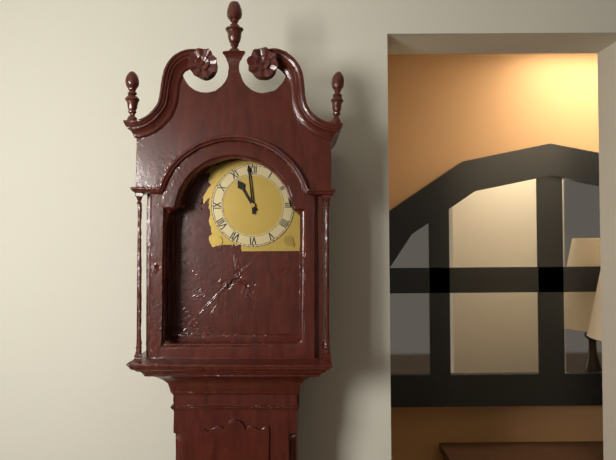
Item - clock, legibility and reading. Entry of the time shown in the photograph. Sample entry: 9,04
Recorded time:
10,59
